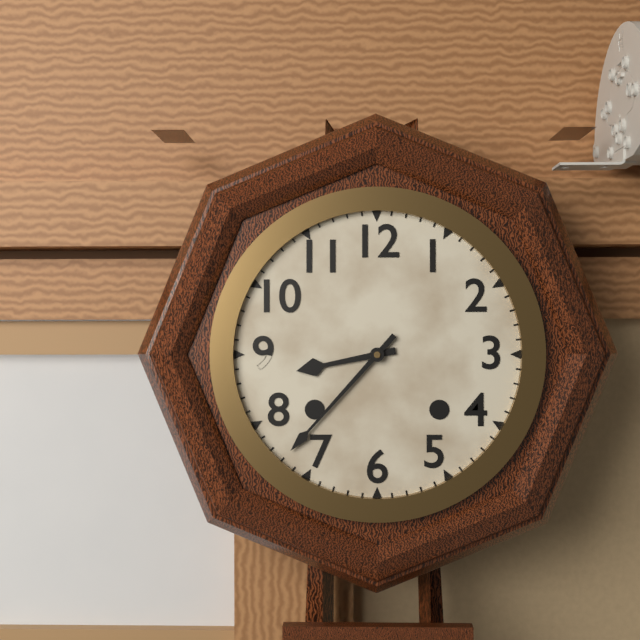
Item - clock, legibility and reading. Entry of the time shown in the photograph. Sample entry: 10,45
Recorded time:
8,37
